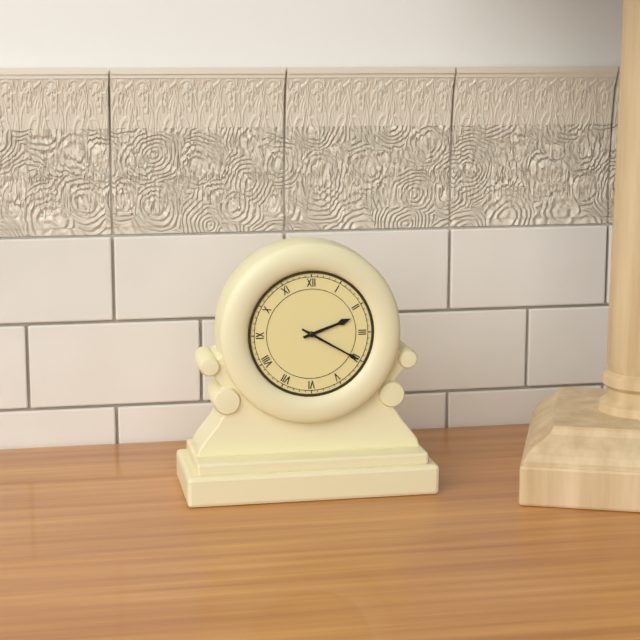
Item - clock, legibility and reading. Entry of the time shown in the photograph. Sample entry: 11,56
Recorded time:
2,20
